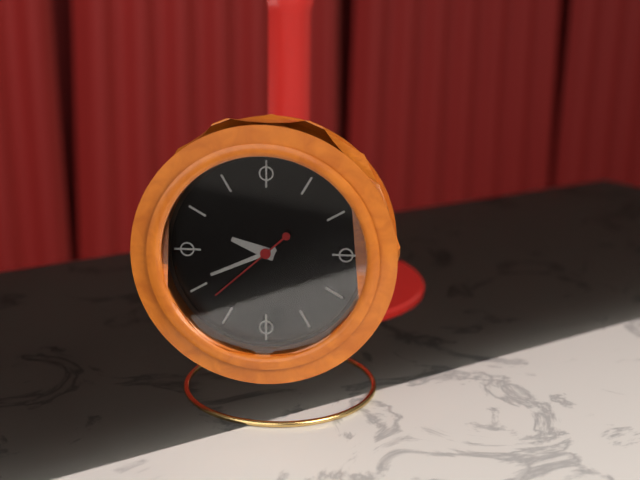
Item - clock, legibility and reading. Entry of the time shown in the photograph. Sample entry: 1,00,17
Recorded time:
9,41,38
